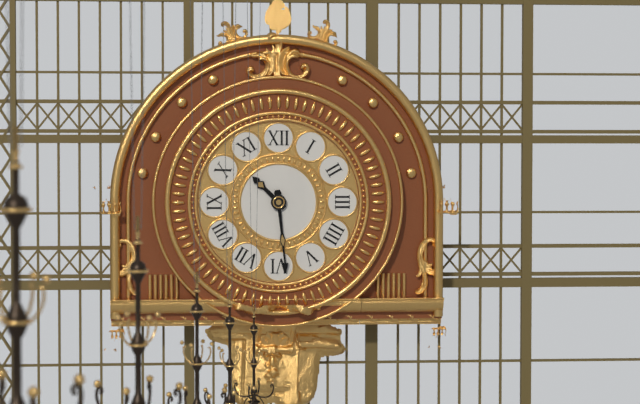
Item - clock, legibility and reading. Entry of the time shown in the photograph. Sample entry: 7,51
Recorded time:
10,29
